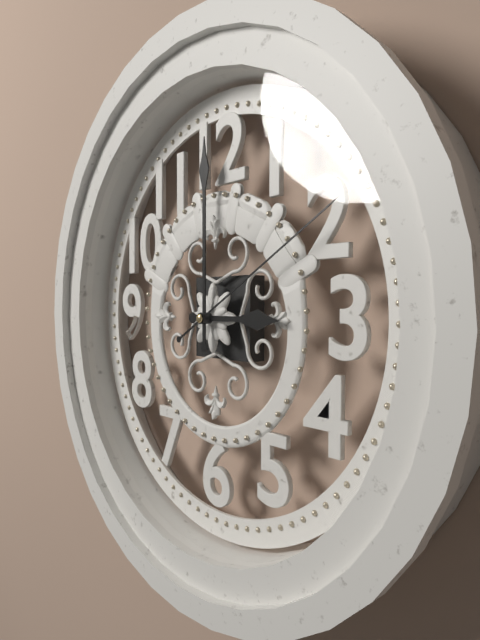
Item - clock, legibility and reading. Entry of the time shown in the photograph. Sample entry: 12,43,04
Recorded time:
3,00,10
